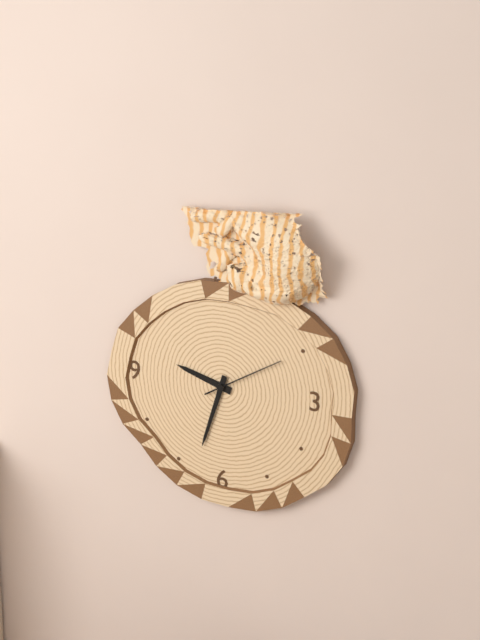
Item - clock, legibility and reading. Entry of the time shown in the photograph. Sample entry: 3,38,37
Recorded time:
9,33,10
